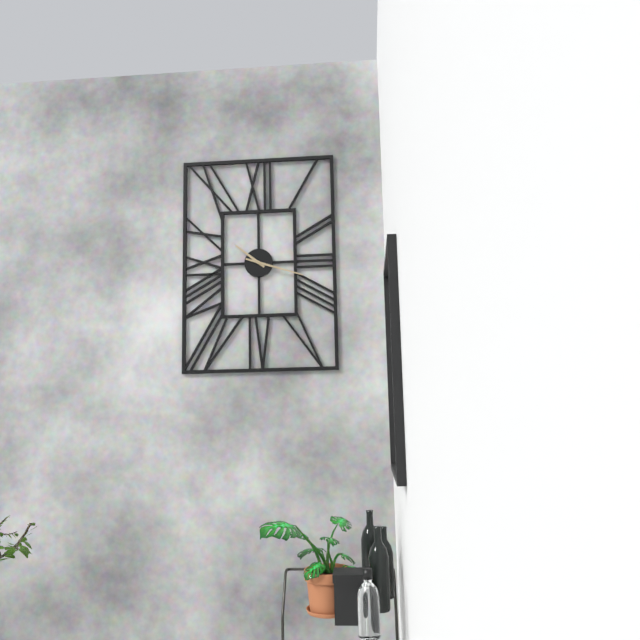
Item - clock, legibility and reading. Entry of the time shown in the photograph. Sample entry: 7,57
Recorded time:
10,18
